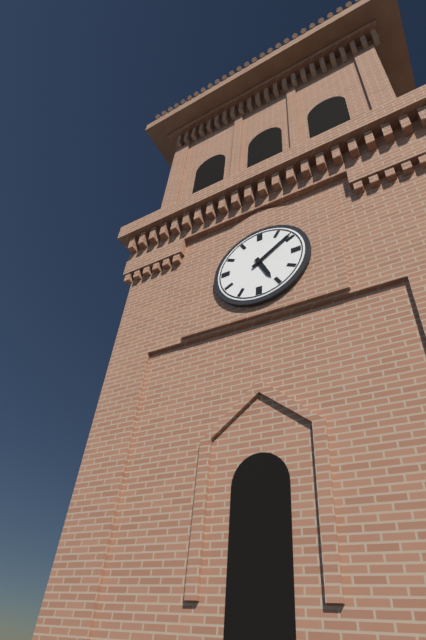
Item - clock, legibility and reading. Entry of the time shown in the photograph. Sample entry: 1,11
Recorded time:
5,09
